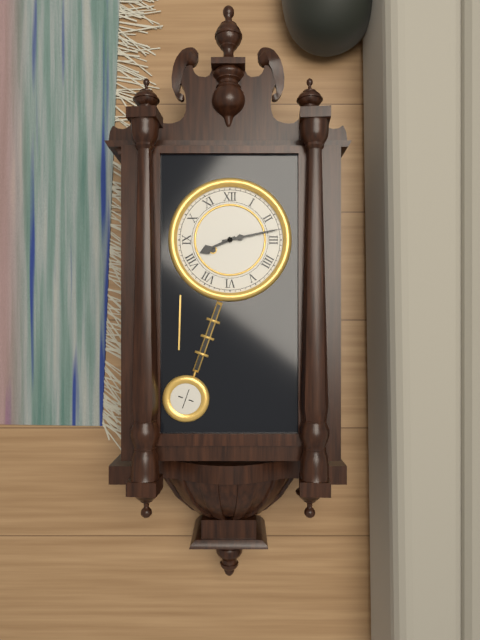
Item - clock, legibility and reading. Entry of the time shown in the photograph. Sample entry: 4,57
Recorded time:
8,13
